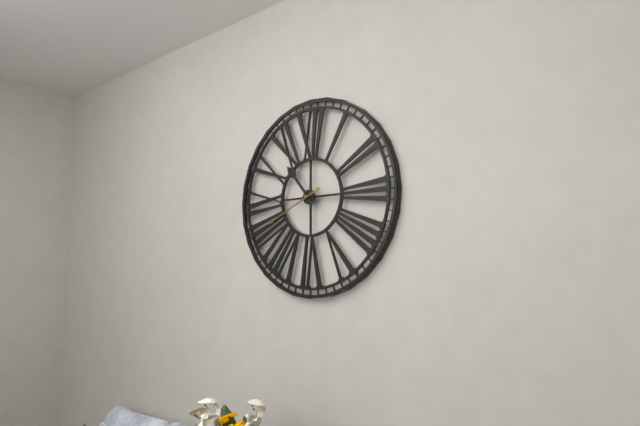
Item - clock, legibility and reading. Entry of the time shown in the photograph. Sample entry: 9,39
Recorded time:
10,41
